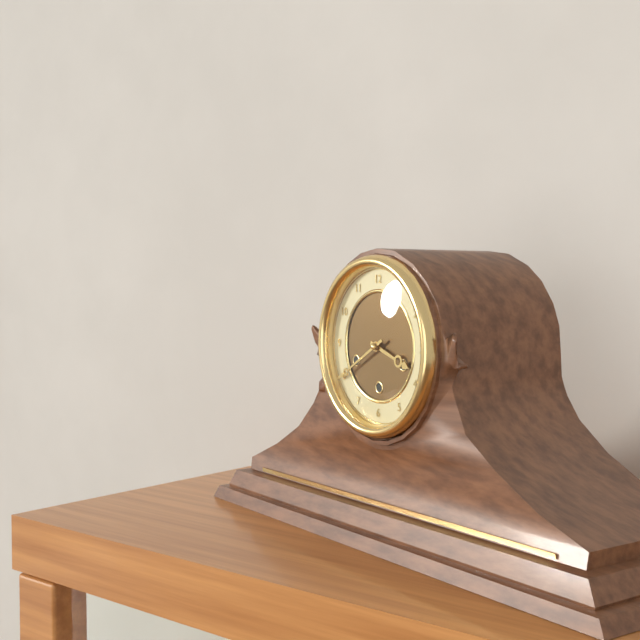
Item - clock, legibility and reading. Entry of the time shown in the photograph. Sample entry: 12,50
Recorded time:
3,40
